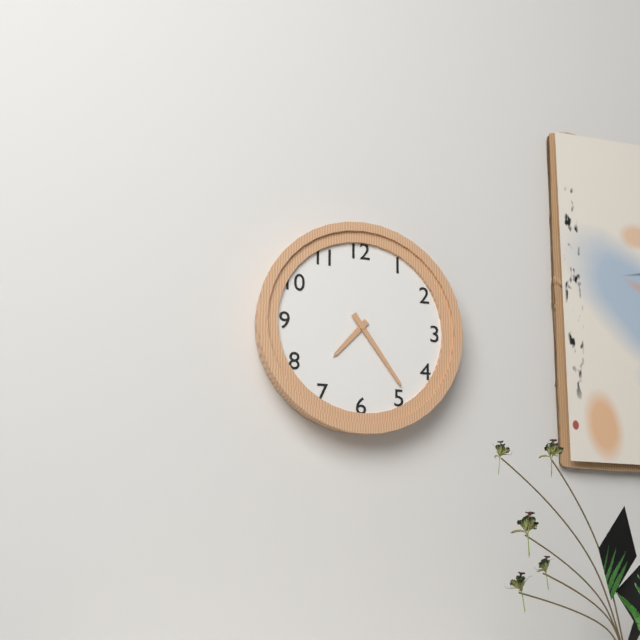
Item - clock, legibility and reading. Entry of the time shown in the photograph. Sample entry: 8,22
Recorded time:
7,24
